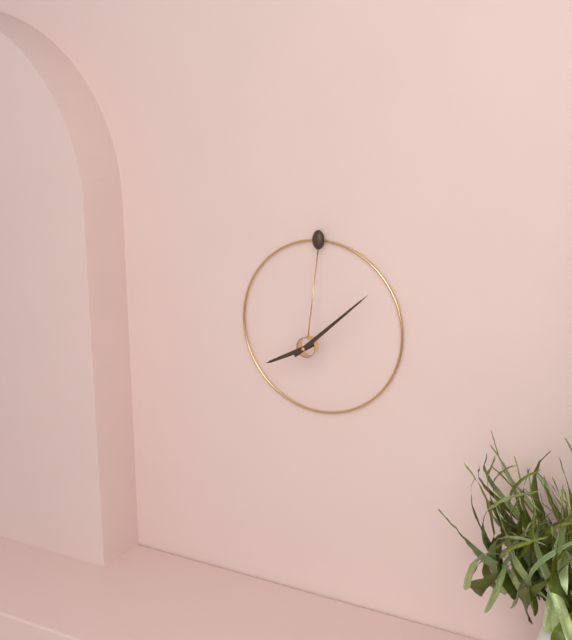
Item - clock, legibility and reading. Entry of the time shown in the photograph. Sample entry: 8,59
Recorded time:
8,08
